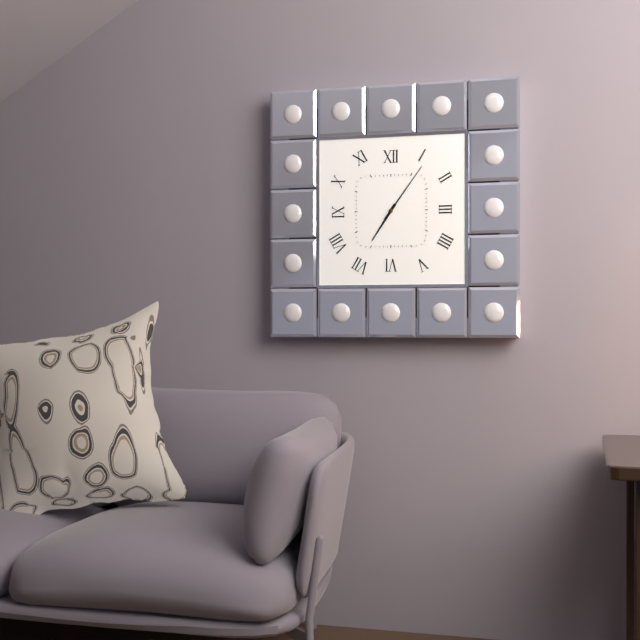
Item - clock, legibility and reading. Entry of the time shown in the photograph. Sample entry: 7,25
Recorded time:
7,06
